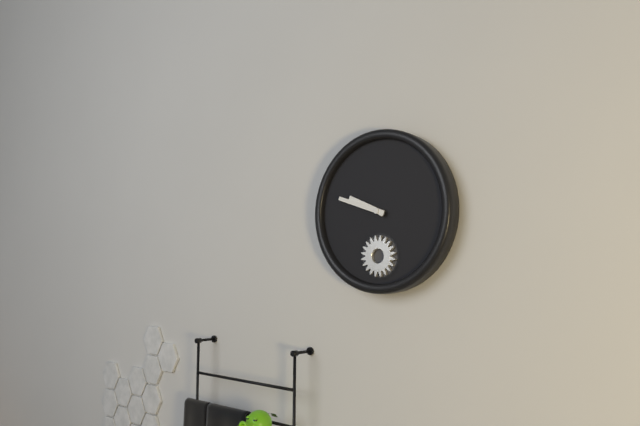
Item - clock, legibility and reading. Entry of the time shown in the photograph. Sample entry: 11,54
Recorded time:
9,48
